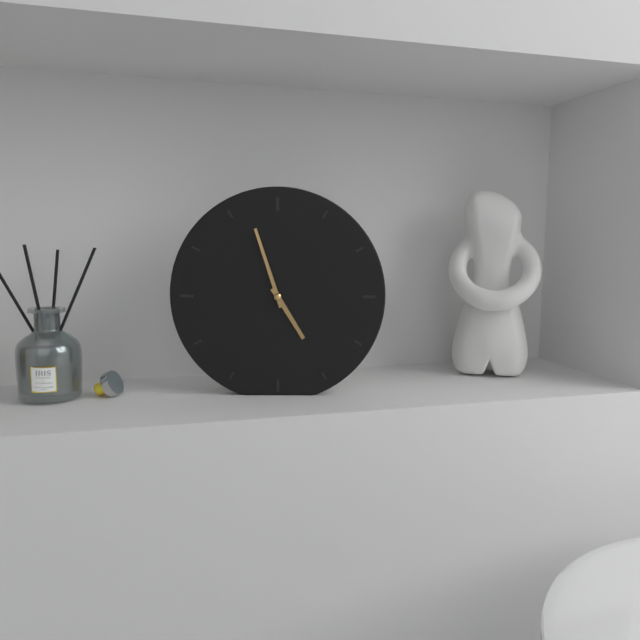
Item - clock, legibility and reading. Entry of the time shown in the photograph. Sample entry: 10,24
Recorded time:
4,57
